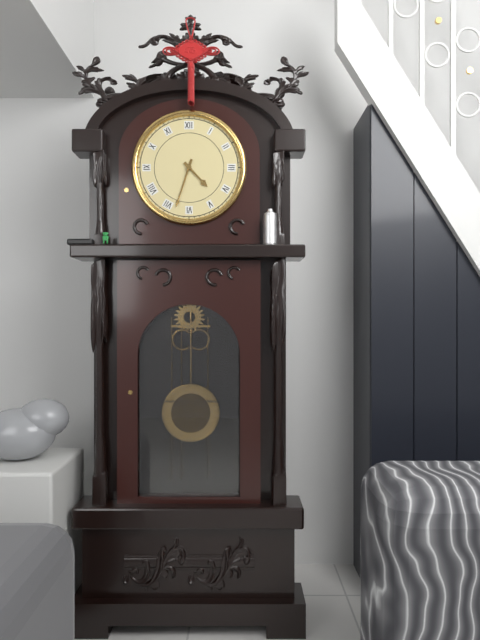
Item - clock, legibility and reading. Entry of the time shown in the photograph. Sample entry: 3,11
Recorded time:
4,33
